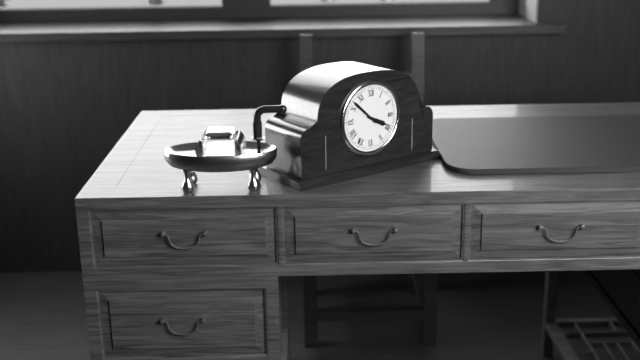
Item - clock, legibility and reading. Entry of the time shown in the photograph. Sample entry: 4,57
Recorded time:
3,52
